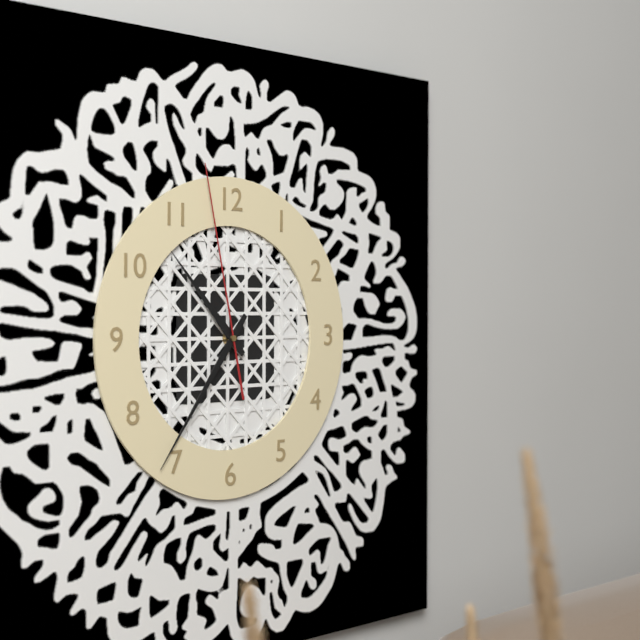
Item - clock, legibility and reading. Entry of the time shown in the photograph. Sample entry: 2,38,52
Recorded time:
10,36,58
